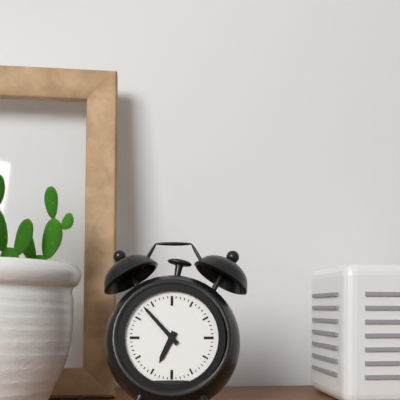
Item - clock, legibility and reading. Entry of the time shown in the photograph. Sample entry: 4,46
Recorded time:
6,53
